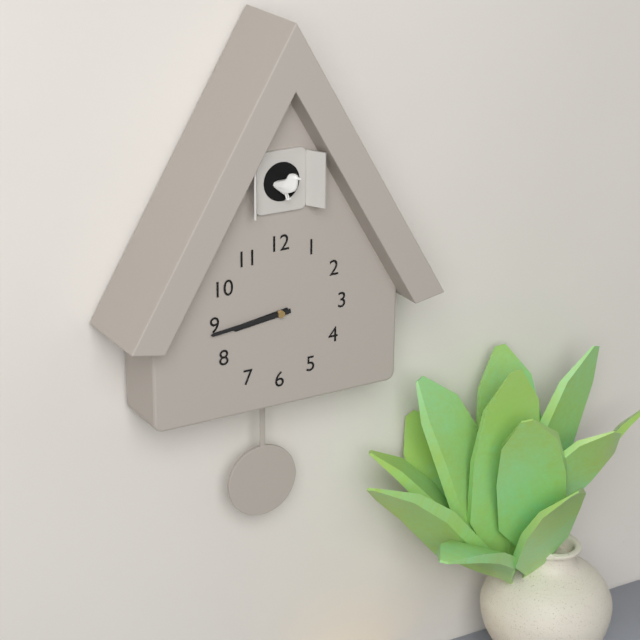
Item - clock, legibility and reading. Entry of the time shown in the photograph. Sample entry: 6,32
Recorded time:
8,44
